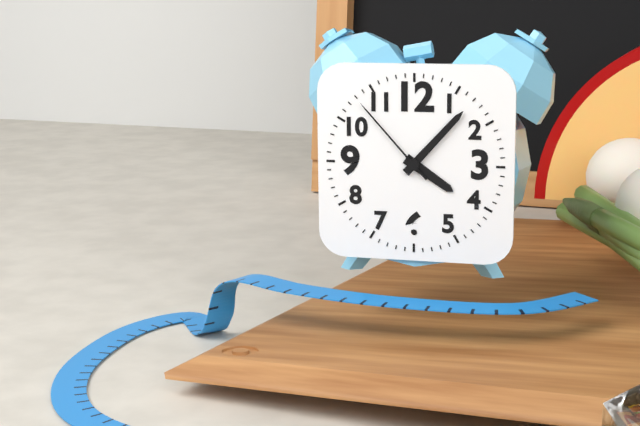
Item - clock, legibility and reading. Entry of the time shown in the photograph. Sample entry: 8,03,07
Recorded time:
4,07,53
